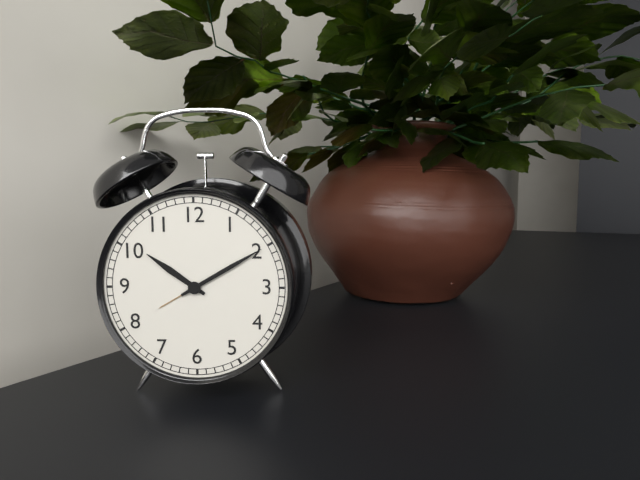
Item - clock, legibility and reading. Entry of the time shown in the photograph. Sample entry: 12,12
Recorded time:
10,10
